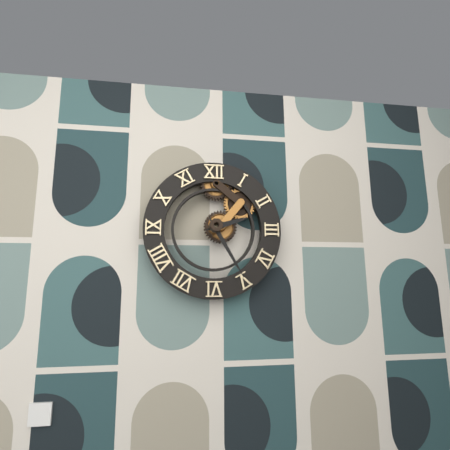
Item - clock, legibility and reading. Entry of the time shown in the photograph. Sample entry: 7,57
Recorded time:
2,25
